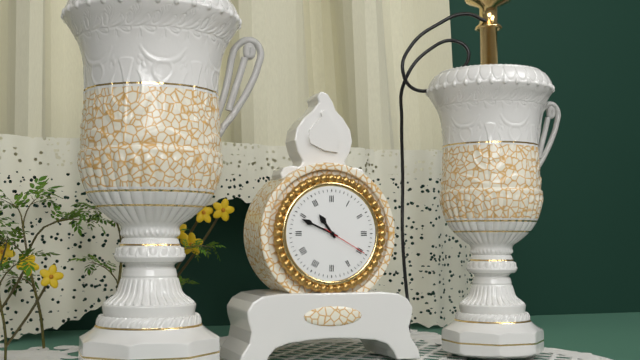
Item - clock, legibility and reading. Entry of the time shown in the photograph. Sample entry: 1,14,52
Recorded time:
10,49,20
